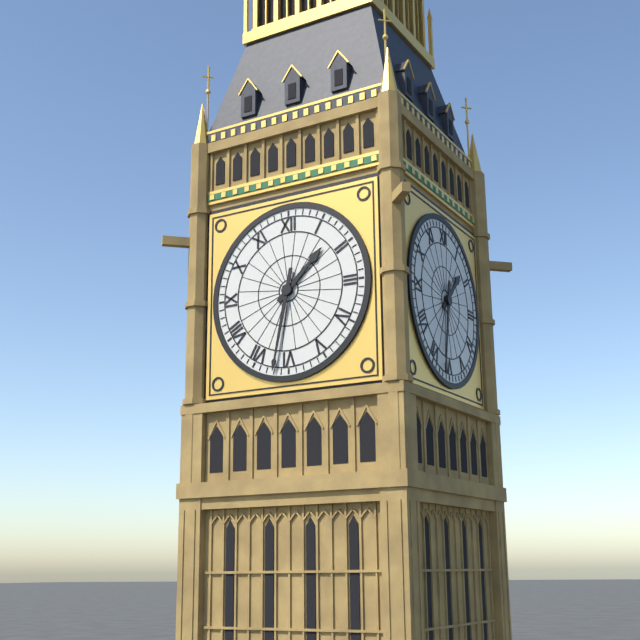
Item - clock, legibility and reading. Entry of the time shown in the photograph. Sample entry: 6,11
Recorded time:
1,32
